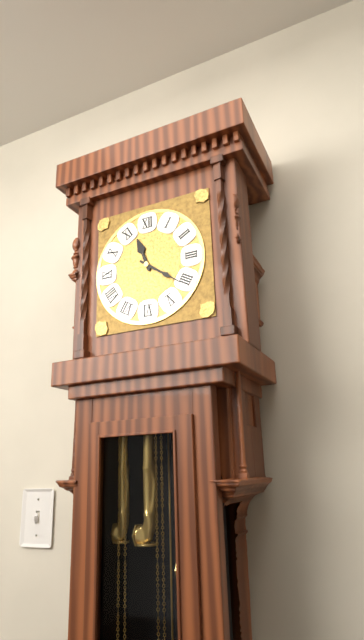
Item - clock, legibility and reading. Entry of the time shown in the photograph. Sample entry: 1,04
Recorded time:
11,21
